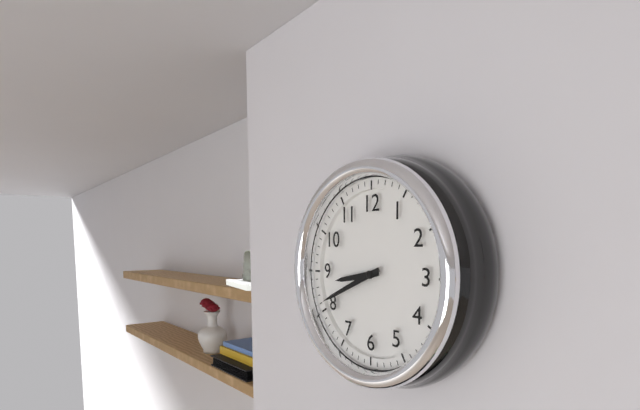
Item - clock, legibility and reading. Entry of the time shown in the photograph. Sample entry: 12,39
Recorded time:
8,41
